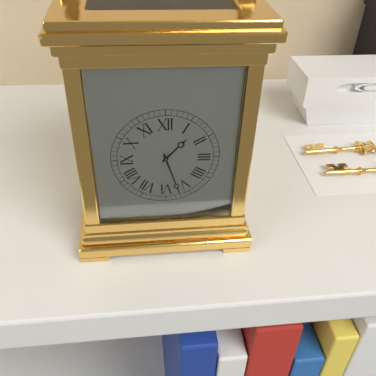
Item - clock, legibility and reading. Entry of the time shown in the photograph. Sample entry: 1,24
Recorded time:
1,27
